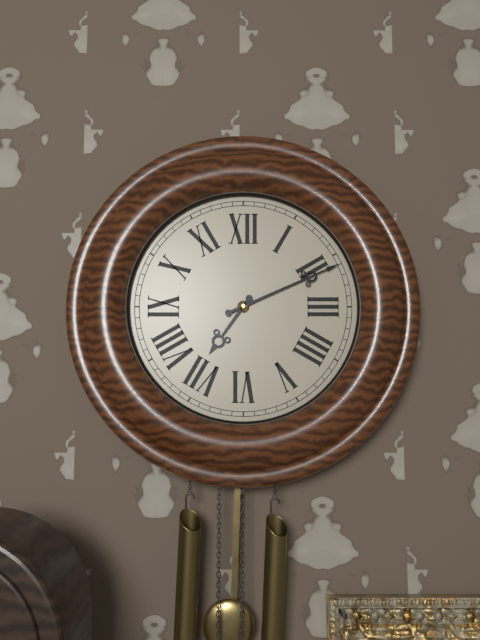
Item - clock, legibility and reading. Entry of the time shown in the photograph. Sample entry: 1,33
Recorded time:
7,11
